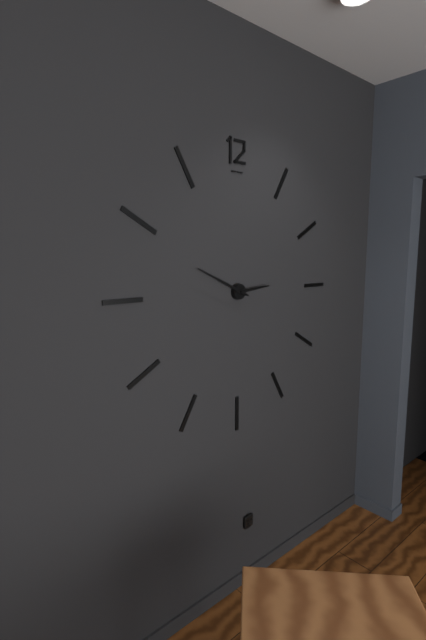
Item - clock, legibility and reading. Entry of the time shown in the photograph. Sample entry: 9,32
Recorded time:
2,49
